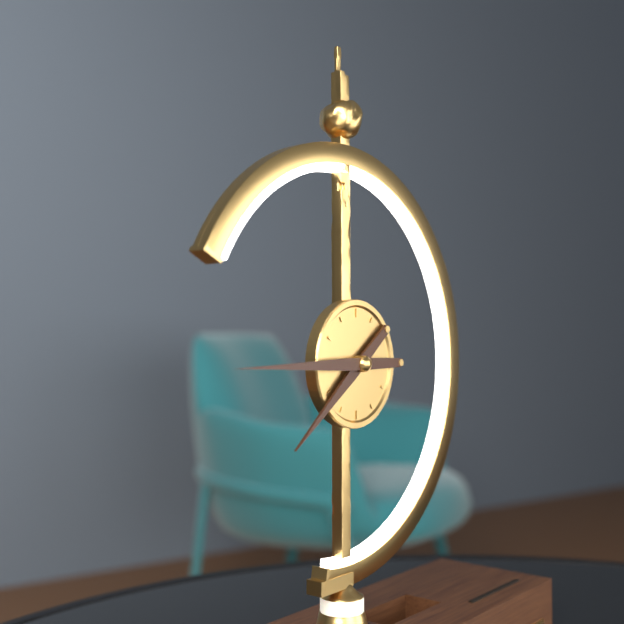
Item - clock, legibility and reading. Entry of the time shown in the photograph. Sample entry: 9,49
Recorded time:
7,45
